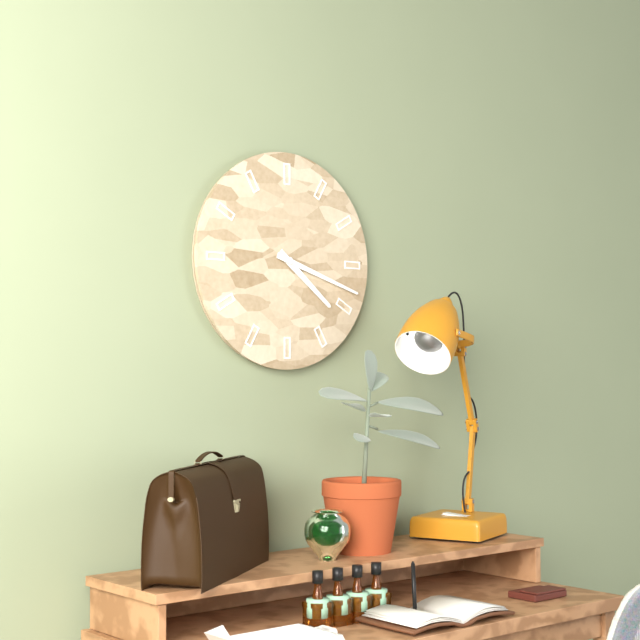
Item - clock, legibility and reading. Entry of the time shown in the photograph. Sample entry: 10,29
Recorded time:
4,18
